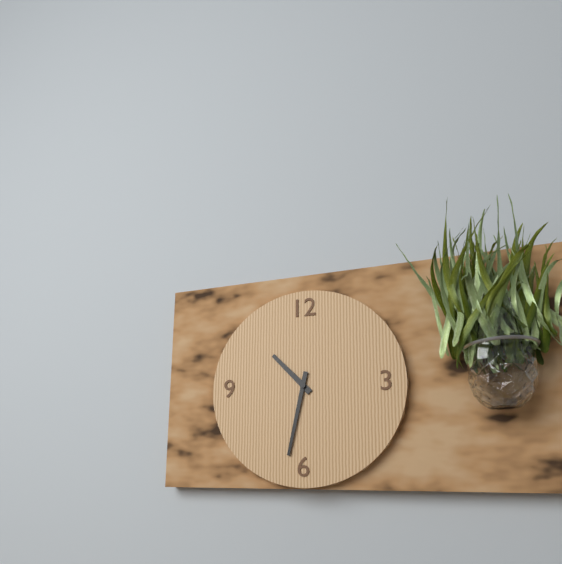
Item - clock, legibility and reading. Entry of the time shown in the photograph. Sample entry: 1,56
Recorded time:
10,32
